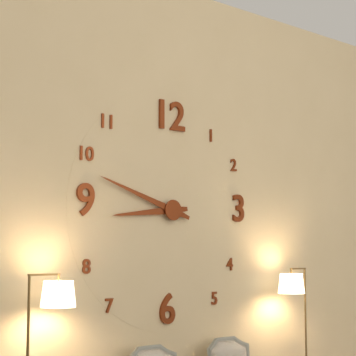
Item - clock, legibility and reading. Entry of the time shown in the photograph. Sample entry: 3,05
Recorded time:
8,48
